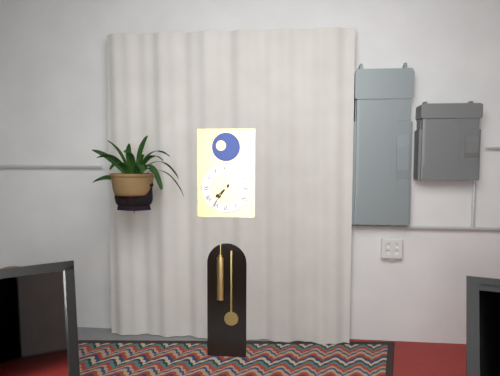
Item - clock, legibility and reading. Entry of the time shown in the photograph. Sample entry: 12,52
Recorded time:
7,36
